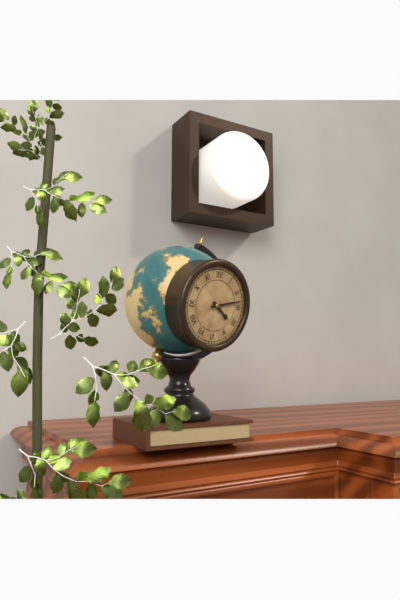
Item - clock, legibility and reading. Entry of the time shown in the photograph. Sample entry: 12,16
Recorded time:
4,13
